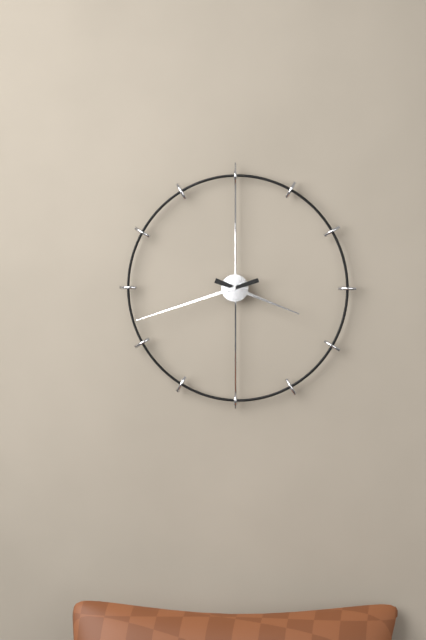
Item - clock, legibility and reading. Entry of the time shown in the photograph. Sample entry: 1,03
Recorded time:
3,42
